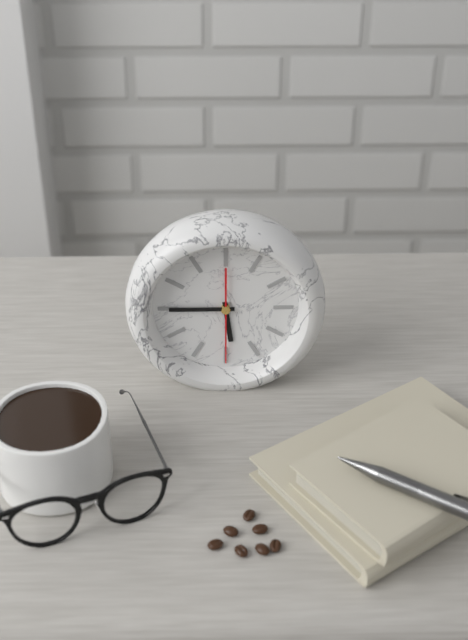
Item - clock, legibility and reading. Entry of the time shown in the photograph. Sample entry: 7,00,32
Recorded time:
5,45,30
